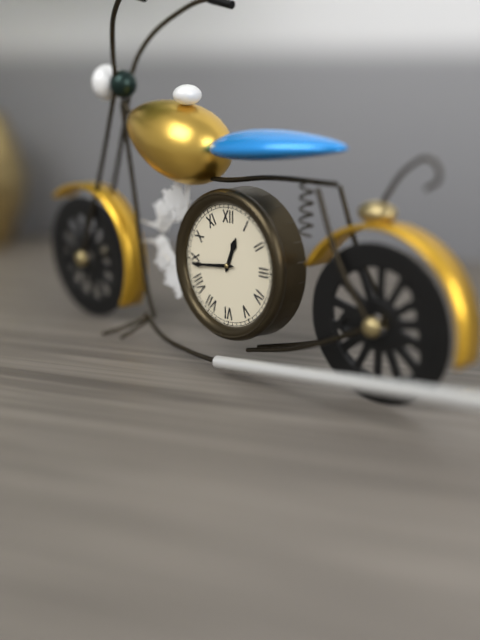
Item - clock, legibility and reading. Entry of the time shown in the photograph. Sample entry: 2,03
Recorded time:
12,44
